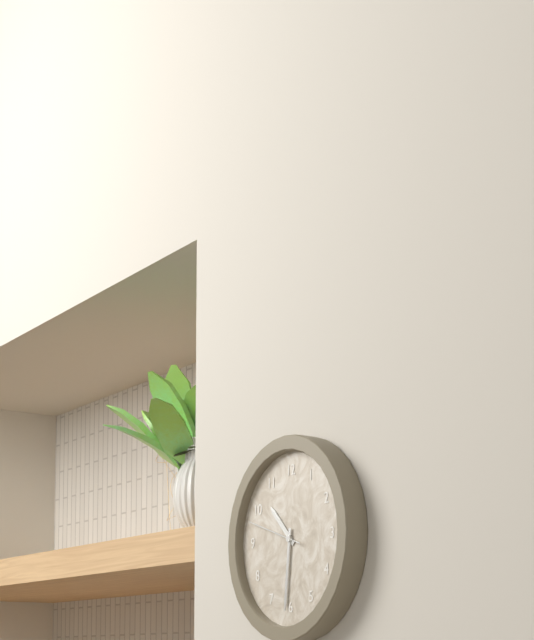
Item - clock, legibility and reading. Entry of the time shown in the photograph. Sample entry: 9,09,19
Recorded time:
10,31,48
